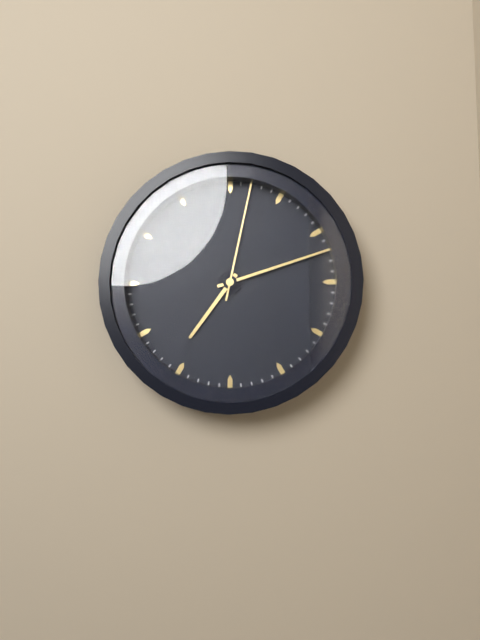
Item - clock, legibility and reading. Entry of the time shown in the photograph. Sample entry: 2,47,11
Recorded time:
7,12,02
